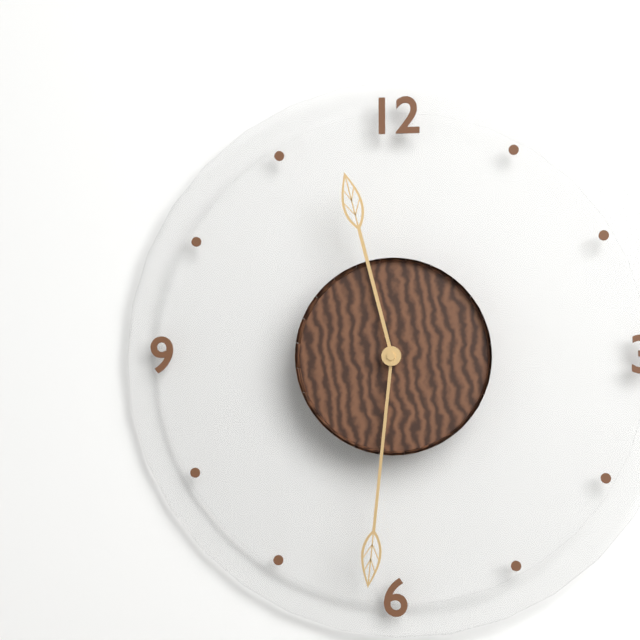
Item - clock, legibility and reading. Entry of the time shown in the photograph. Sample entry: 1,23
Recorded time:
11,31
